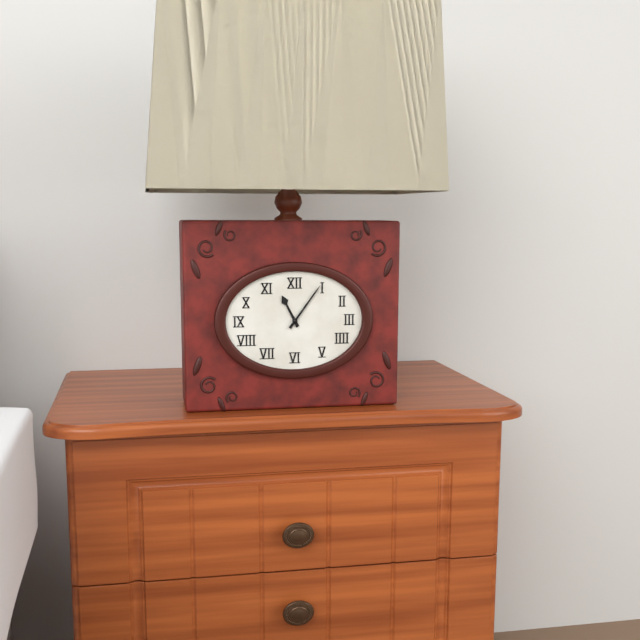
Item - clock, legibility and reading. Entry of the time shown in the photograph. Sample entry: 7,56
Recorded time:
11,06
